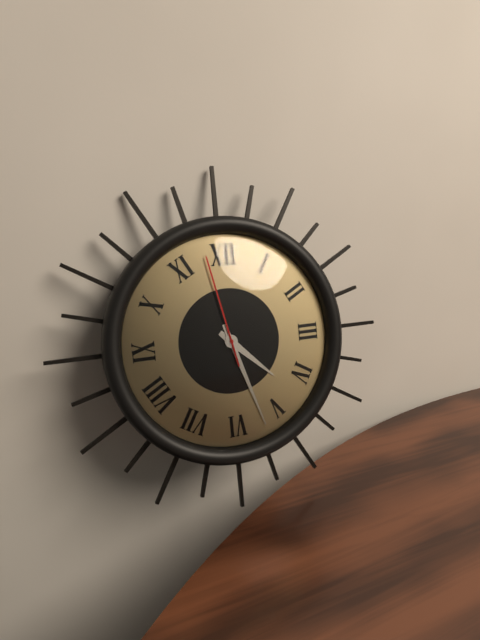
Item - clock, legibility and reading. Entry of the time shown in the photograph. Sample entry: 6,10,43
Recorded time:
4,27,58
